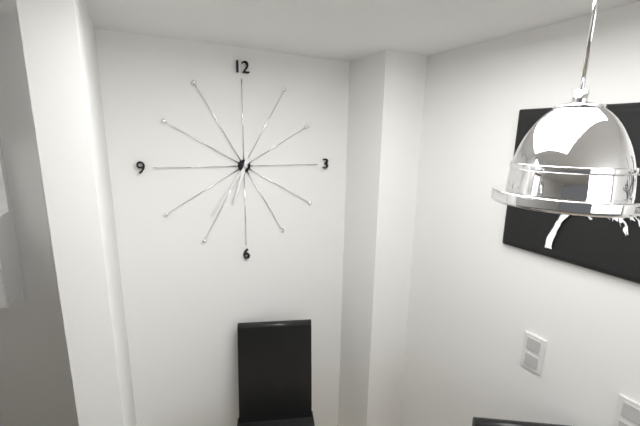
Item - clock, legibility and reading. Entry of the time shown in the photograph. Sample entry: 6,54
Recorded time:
6,36
